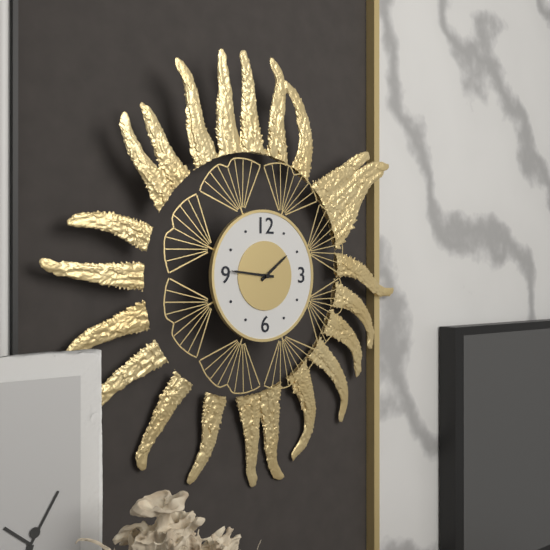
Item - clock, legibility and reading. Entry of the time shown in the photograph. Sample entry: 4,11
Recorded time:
1,46
